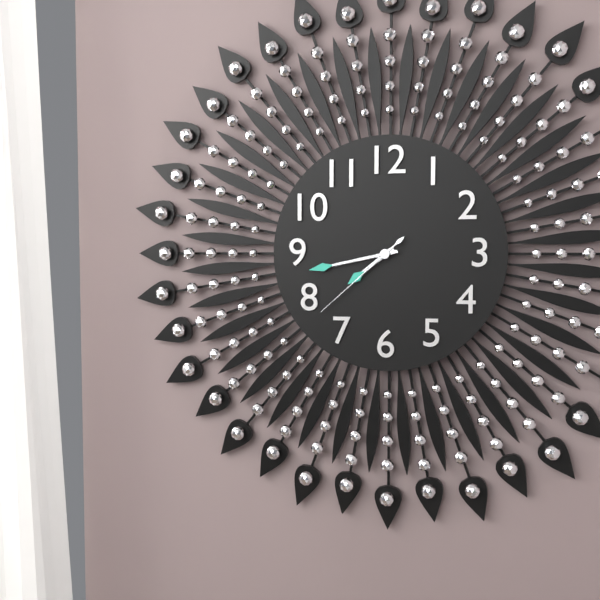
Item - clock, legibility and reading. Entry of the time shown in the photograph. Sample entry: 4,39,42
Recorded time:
7,43,38
